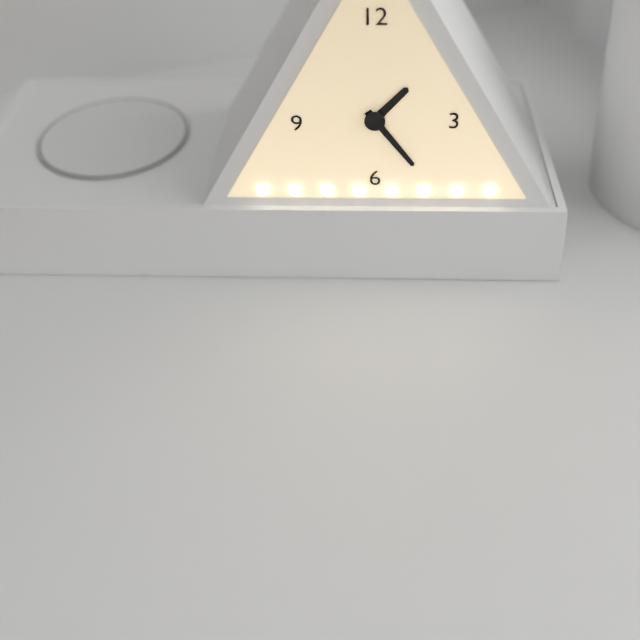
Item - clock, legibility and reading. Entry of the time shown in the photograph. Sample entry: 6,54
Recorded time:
1,24
